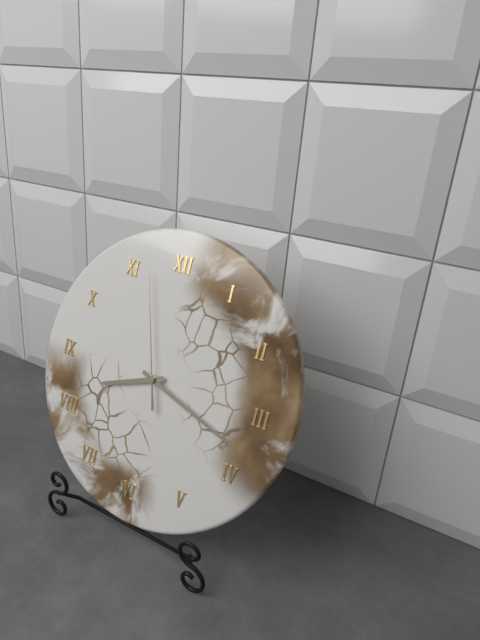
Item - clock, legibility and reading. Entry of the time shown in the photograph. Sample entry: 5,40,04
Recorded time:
8,18,57
